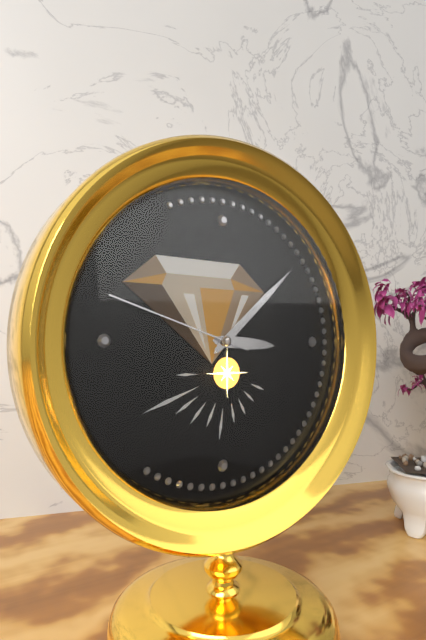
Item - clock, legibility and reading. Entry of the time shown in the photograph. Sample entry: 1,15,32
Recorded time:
3,08,48
